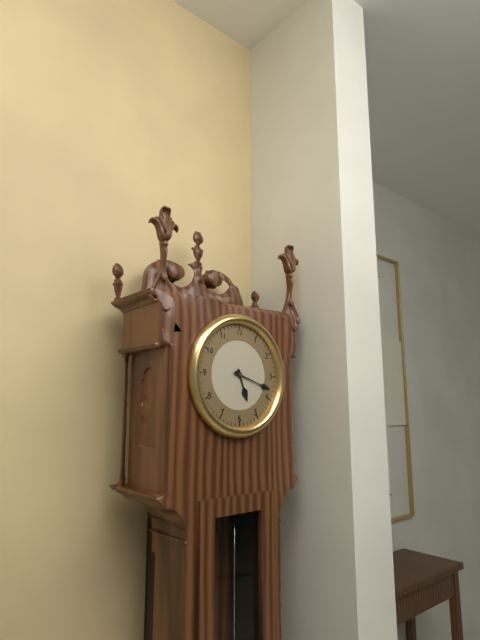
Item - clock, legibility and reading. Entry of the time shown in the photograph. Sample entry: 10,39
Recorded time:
5,18
